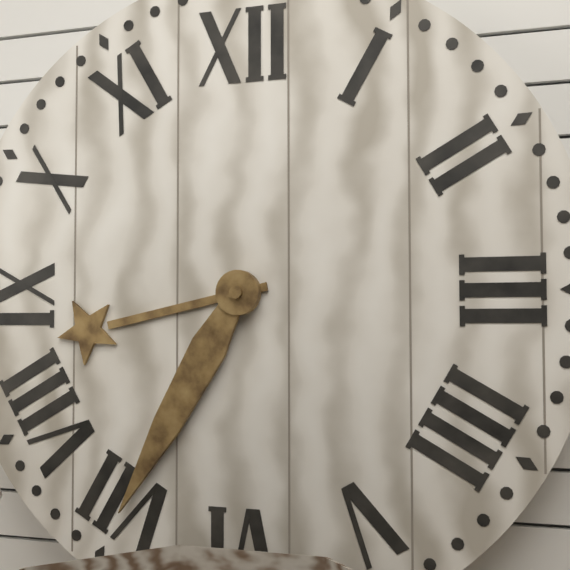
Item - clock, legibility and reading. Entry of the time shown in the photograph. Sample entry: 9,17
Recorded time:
8,35
